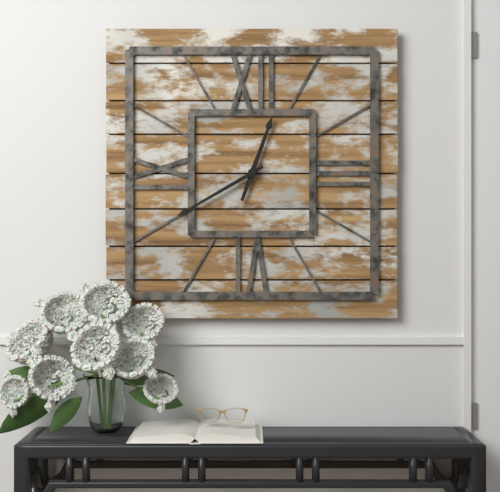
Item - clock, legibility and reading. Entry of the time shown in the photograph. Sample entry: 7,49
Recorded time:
12,40
